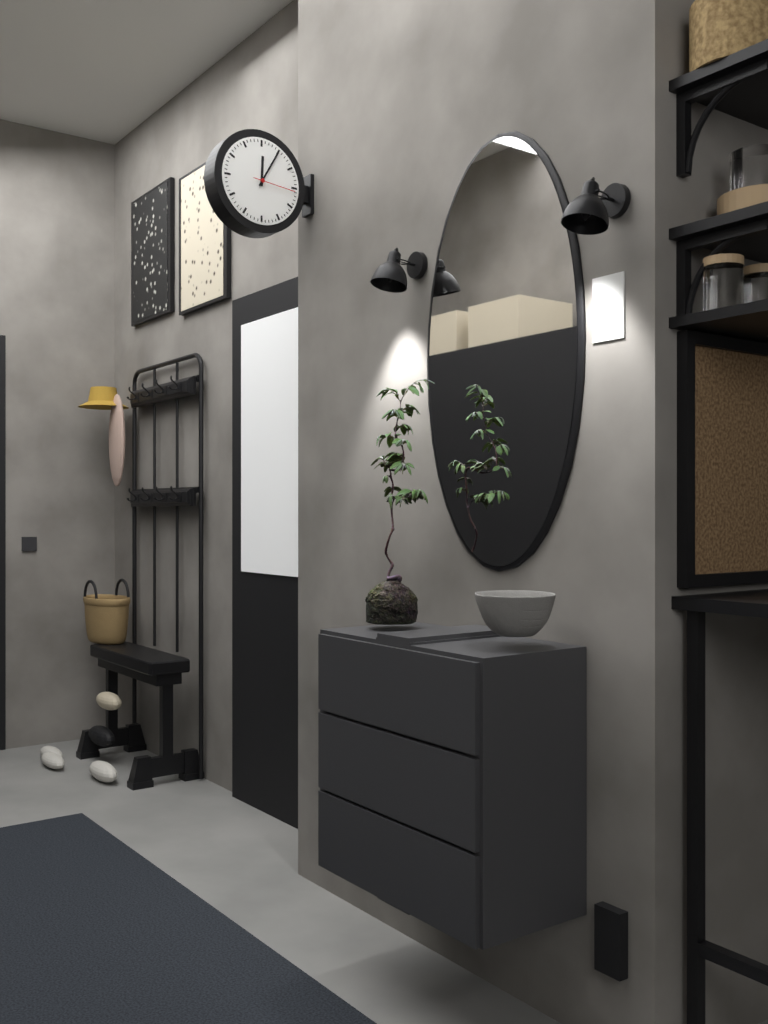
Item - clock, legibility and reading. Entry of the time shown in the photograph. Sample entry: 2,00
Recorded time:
12,05
